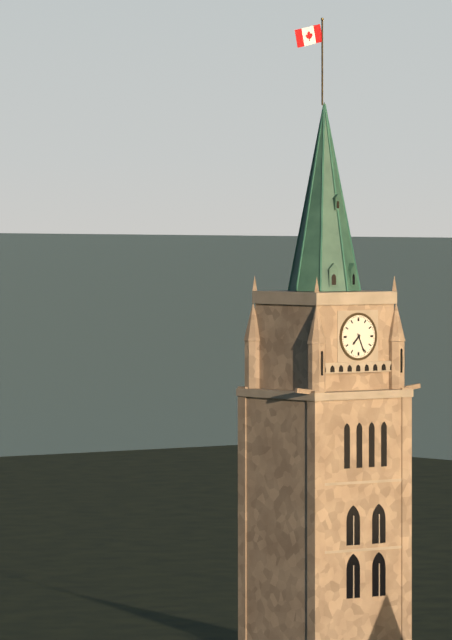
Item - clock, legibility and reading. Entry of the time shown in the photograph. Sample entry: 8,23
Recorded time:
7,26
